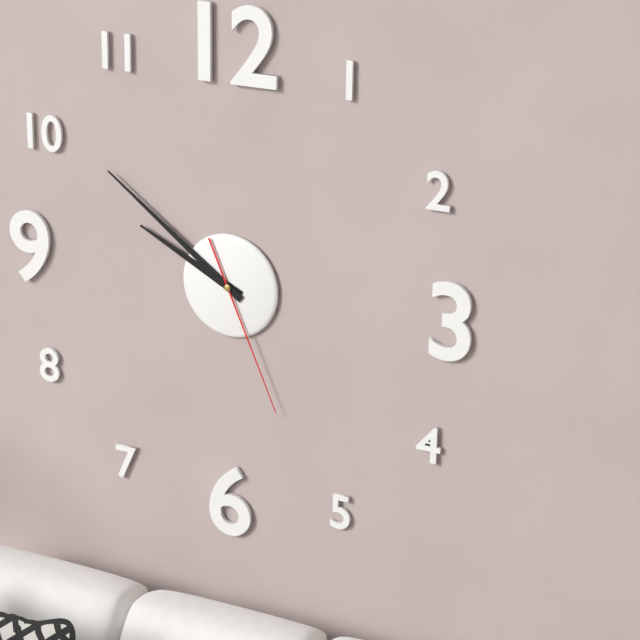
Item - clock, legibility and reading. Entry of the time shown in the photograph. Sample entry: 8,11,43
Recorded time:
9,51,26
